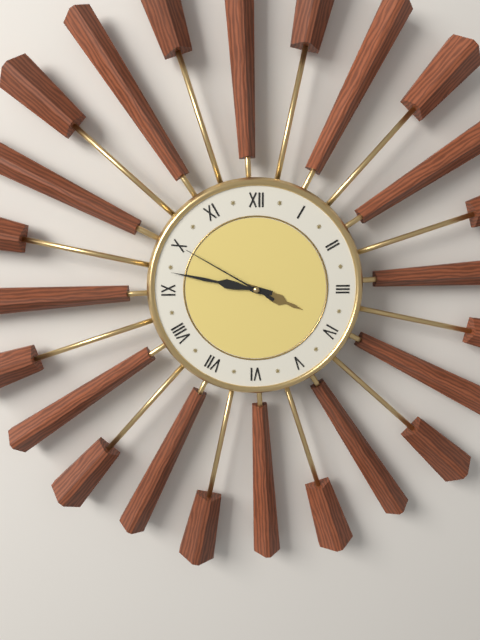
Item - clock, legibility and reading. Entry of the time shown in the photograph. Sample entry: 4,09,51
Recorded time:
3,47,50
